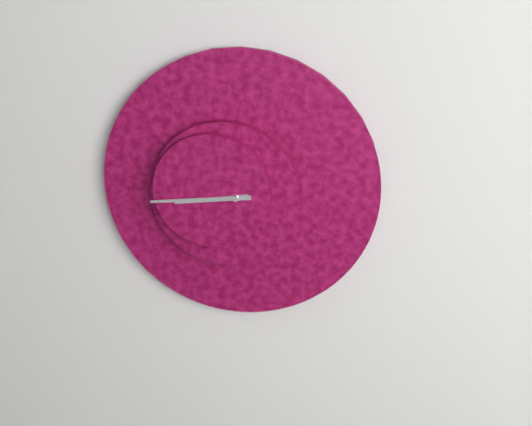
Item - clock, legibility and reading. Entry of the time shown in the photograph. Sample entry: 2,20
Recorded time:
8,44
